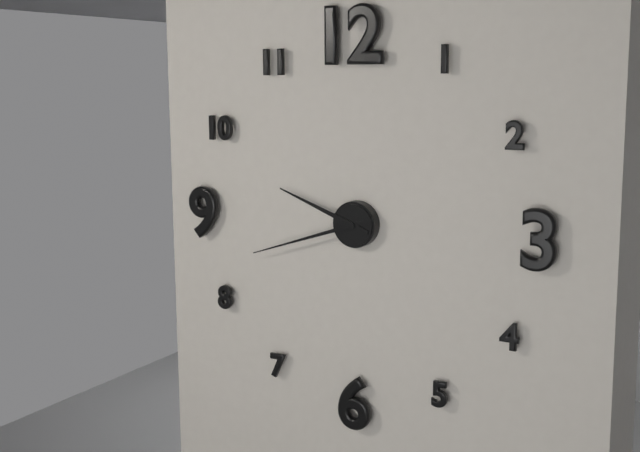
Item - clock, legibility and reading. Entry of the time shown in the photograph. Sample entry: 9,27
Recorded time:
9,42
